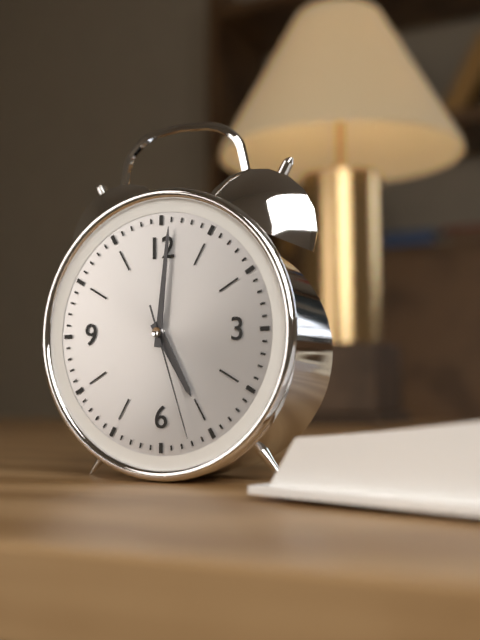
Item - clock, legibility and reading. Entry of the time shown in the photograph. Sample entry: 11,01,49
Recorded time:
5,01,27
